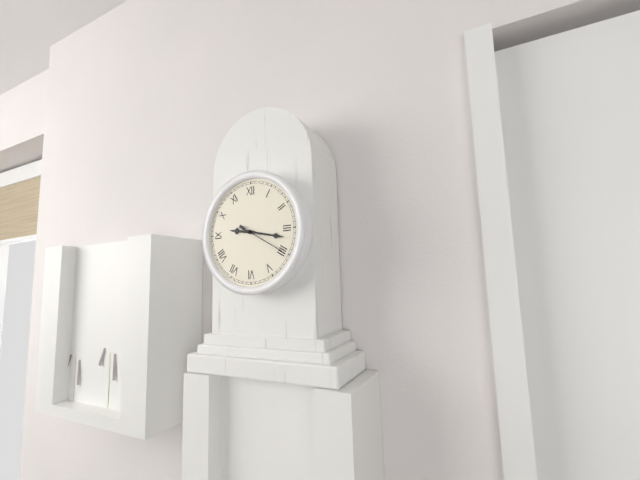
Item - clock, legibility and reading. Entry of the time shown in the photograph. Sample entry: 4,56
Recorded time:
9,17
